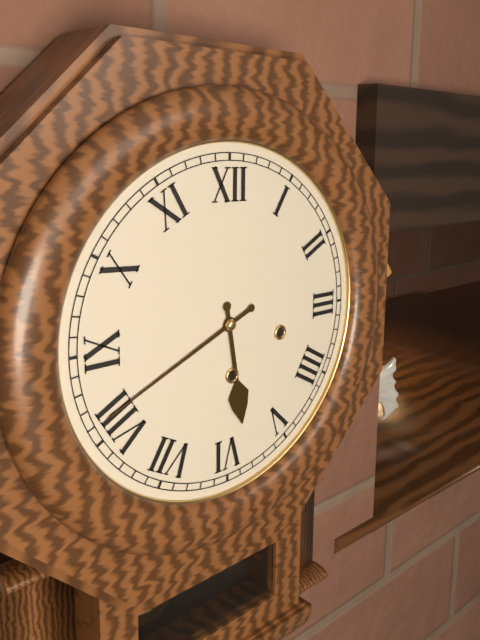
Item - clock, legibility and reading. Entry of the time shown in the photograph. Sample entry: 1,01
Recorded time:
5,41
